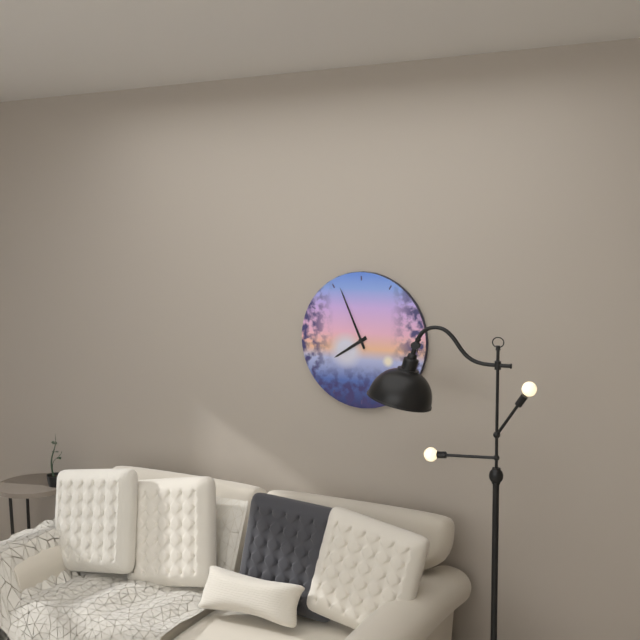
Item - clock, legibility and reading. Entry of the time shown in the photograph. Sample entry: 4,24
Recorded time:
7,56
